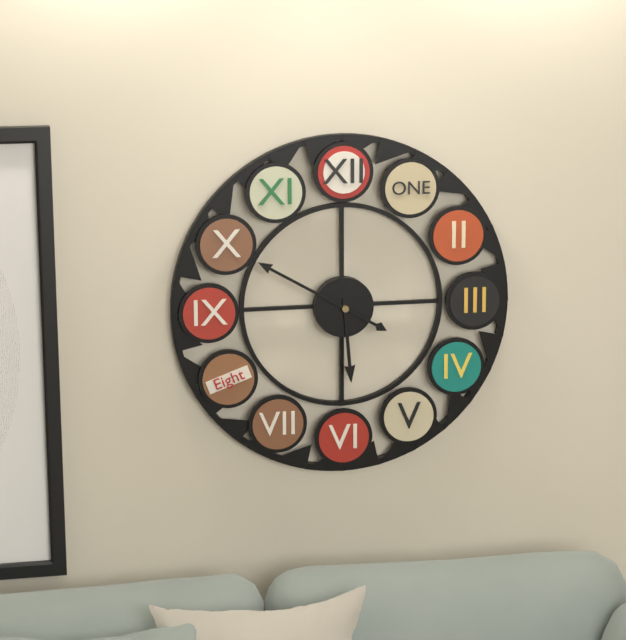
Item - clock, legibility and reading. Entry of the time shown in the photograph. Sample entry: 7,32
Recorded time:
5,50
